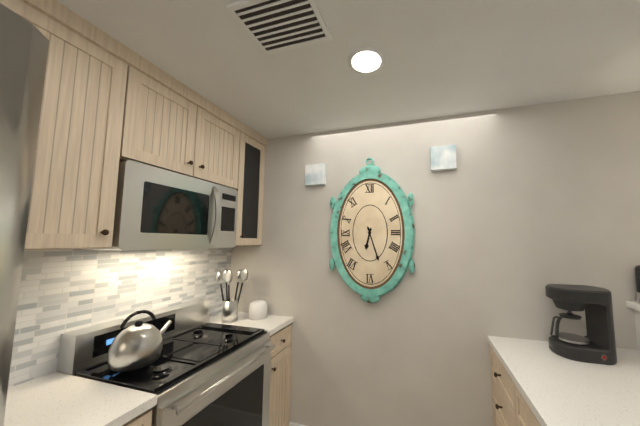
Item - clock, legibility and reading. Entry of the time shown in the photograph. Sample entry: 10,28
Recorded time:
6,27
